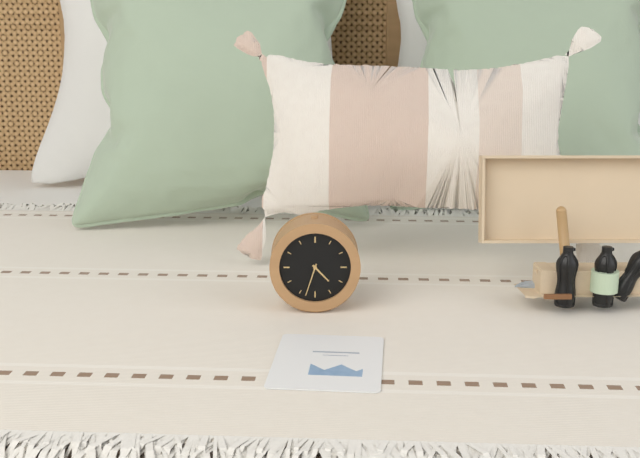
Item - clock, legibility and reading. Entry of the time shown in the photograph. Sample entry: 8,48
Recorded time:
4,33
